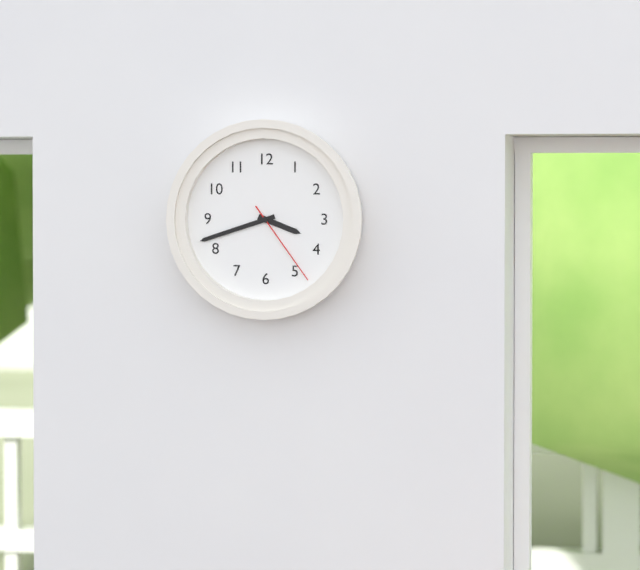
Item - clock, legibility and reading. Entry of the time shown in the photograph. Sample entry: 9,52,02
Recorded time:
3,42,24
